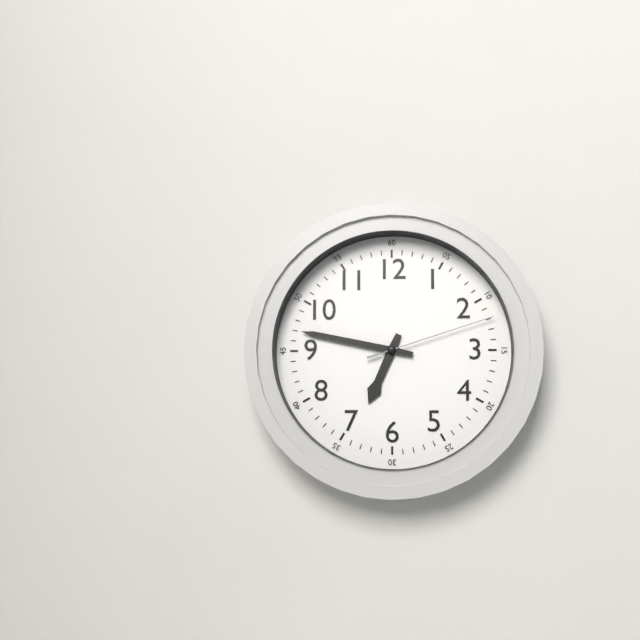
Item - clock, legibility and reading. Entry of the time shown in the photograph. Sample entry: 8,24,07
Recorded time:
6,47,12
